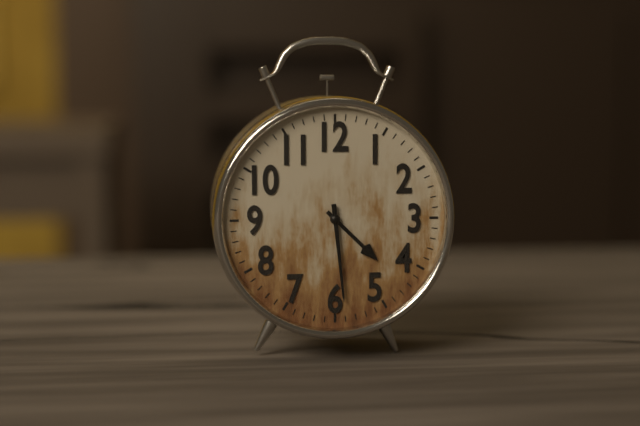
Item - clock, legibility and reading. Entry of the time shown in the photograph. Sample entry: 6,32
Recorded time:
4,29
